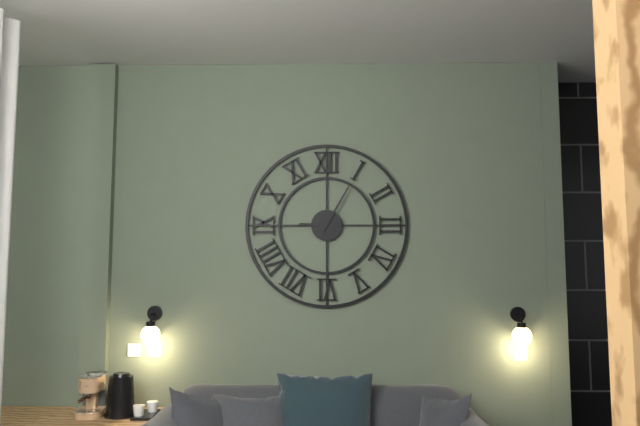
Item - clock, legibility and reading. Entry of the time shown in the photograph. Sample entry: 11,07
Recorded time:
9,05
